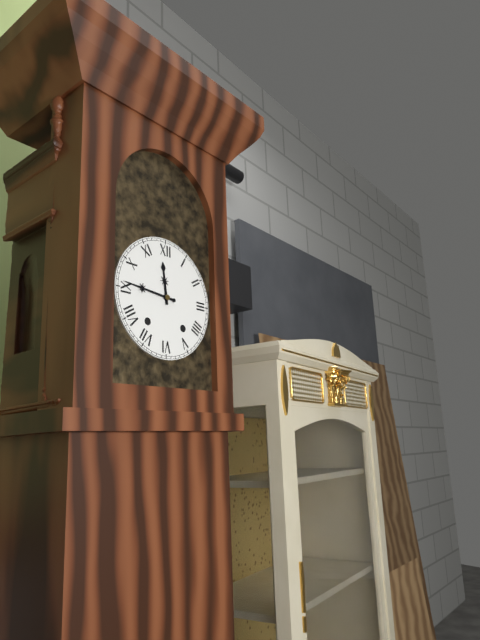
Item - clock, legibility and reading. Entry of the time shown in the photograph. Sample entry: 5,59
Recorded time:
11,46
